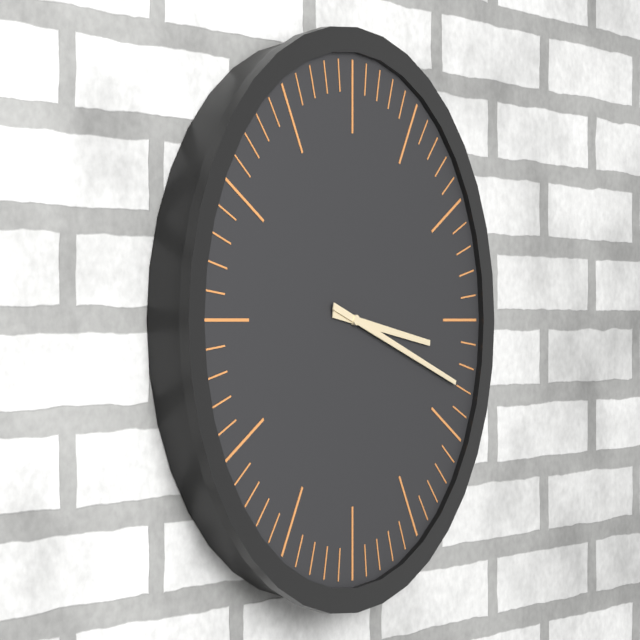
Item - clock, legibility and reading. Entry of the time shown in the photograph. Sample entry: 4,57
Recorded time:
3,18
